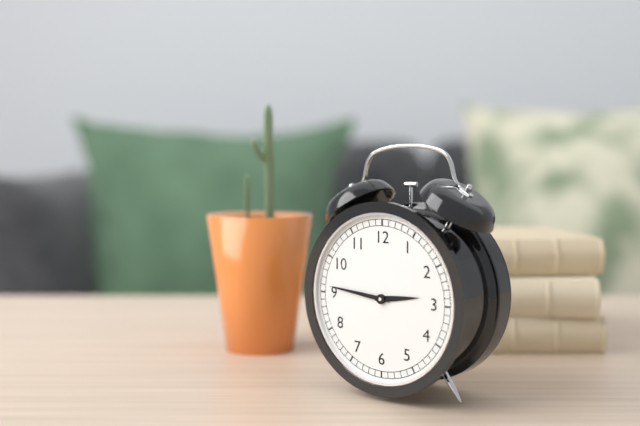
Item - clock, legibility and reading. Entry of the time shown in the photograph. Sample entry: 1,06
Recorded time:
2,46
